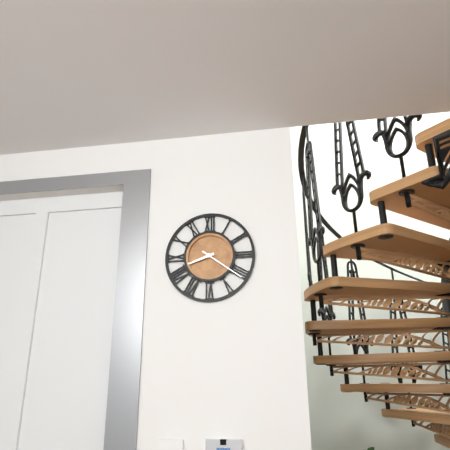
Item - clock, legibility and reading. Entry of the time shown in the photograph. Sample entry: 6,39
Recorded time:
8,21
